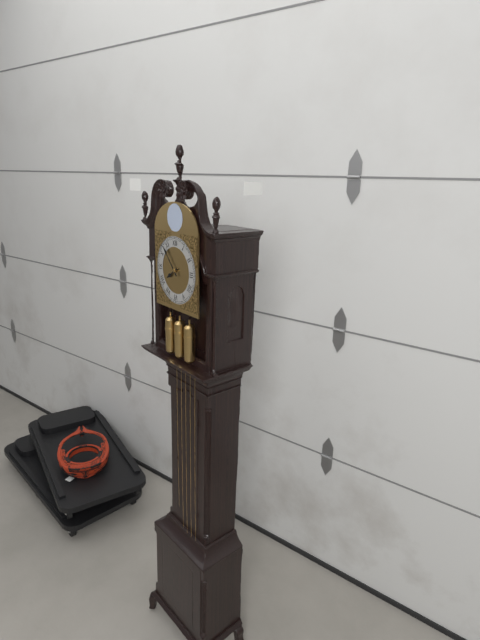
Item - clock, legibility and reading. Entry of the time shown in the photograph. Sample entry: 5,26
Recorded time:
7,53
